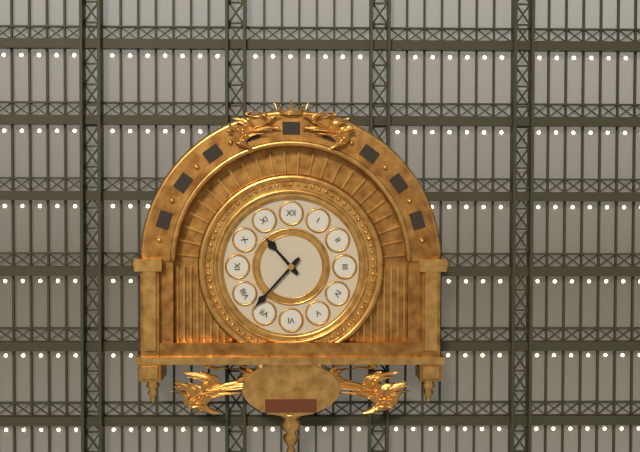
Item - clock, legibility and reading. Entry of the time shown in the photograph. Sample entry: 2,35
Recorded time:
10,37
